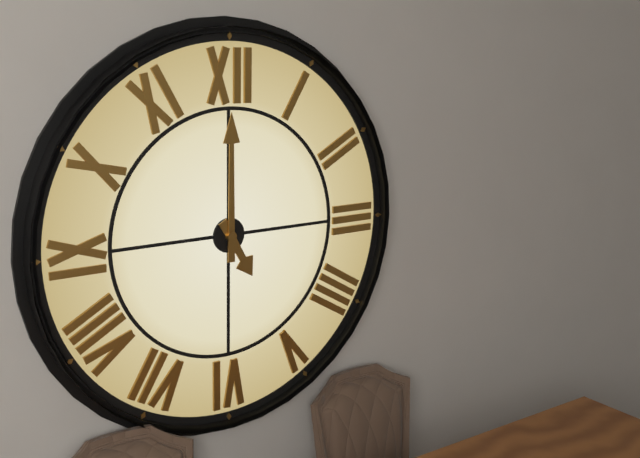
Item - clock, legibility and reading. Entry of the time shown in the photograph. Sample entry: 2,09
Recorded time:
5,00
